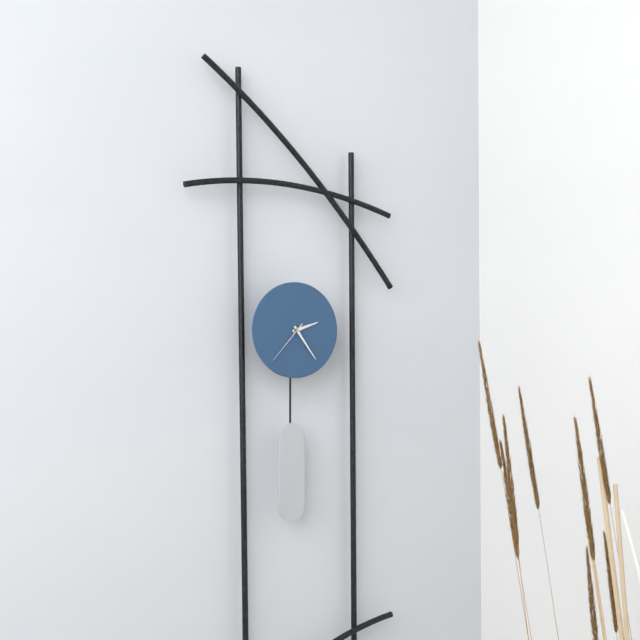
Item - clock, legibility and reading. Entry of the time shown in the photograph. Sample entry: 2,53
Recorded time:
2,24
